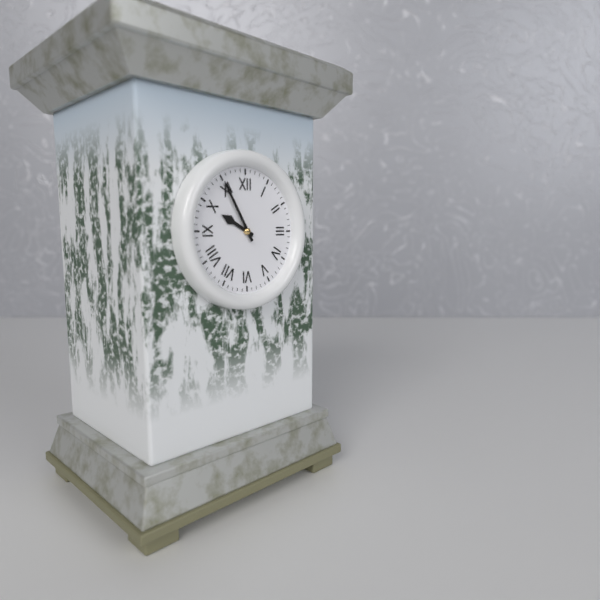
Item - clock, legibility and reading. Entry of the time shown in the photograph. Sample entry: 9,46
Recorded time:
9,55
